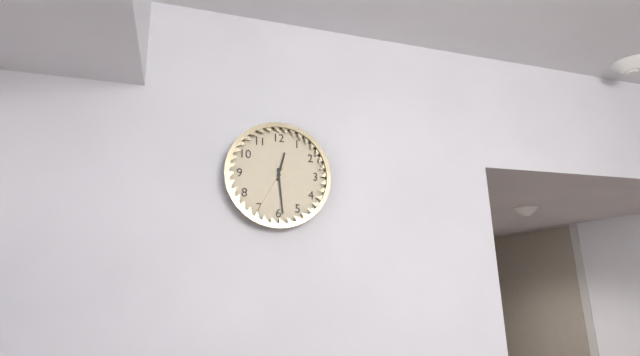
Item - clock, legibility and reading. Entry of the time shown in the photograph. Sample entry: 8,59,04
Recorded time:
12,29,35
